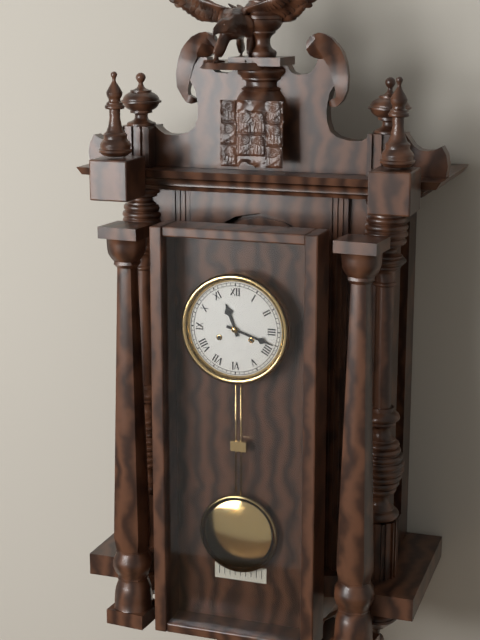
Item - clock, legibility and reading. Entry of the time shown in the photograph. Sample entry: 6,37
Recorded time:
11,18
